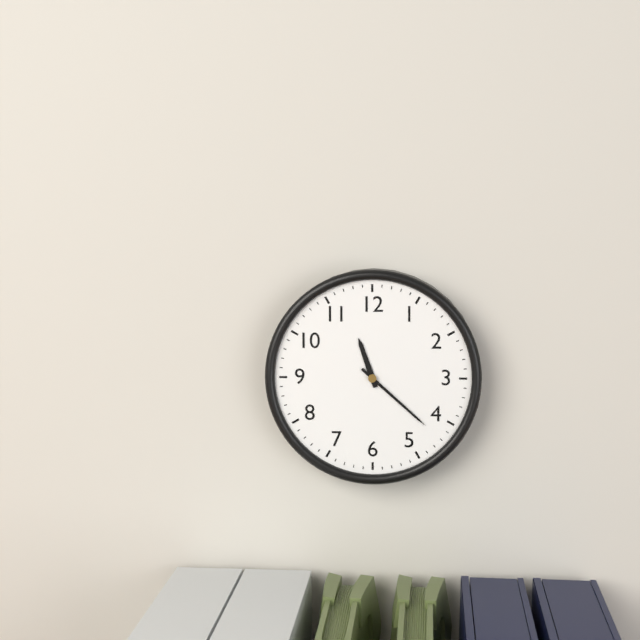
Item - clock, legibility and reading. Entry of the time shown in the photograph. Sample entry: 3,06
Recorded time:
11,22
